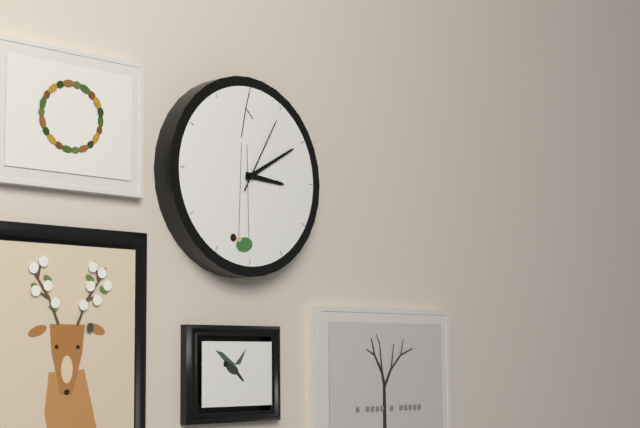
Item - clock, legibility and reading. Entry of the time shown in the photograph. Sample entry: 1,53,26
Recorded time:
3,10,05
